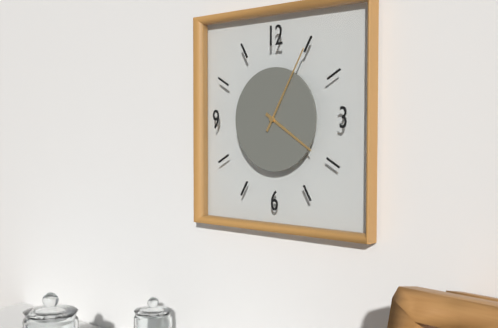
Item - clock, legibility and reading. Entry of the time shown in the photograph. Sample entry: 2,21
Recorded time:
4,05
